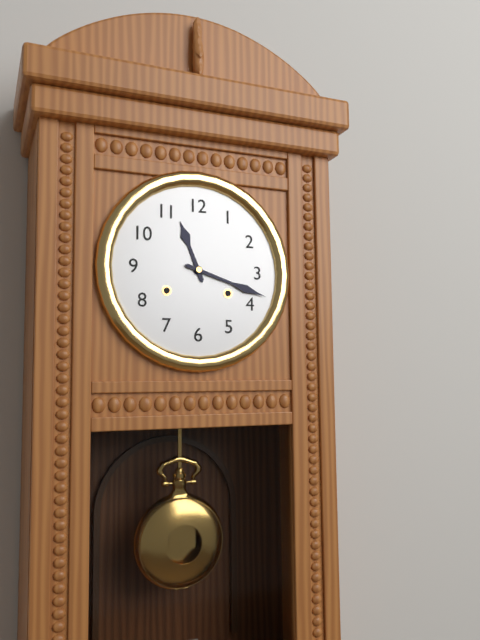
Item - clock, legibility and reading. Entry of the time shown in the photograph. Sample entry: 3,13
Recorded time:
11,18
